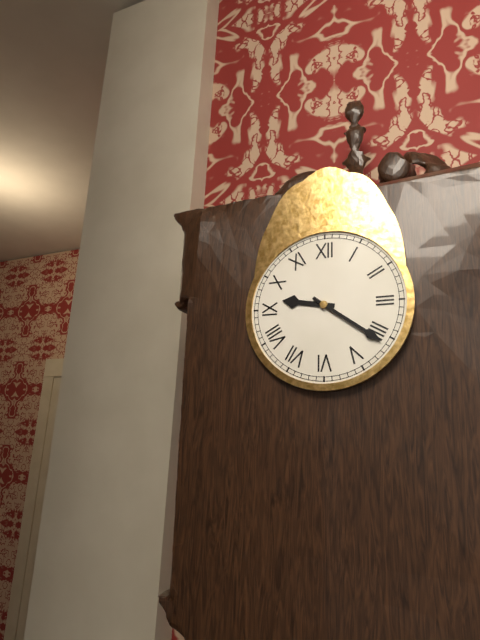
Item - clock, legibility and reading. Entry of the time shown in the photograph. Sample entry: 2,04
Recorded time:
9,21
